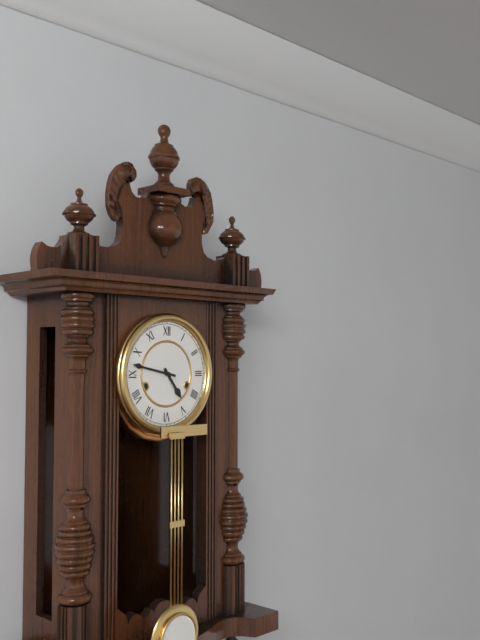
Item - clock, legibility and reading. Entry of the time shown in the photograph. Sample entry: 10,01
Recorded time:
4,47
